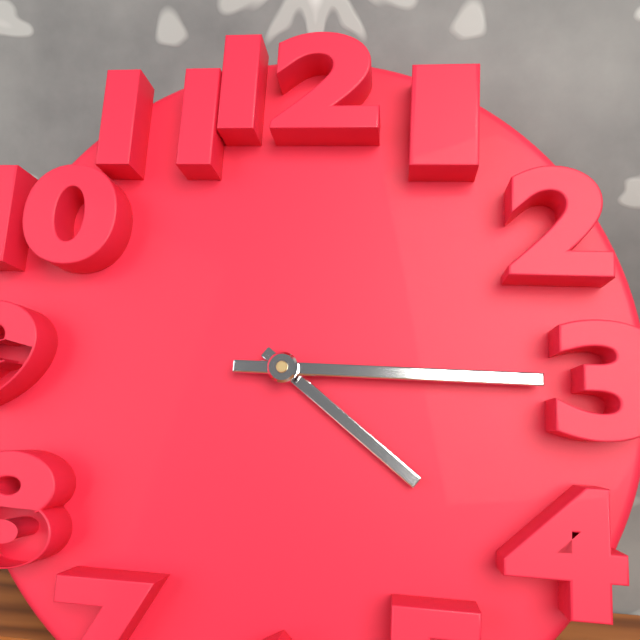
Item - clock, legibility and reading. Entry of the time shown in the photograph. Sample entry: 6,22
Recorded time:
4,15
